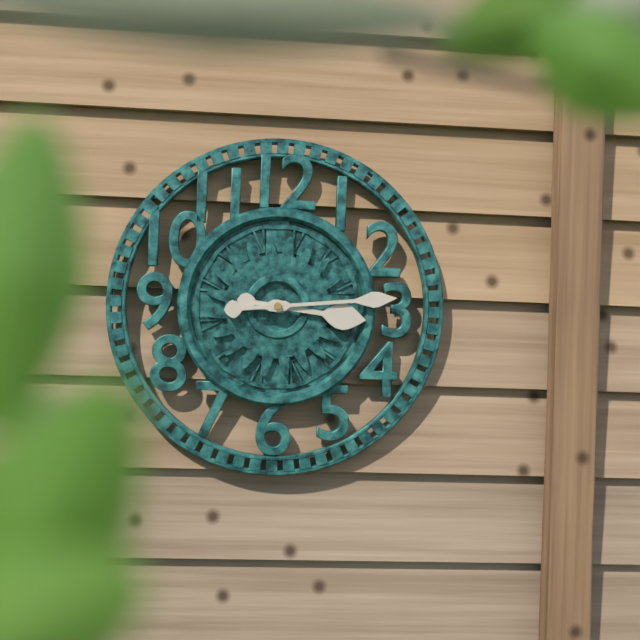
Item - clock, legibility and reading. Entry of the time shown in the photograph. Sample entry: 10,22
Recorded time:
3,14
